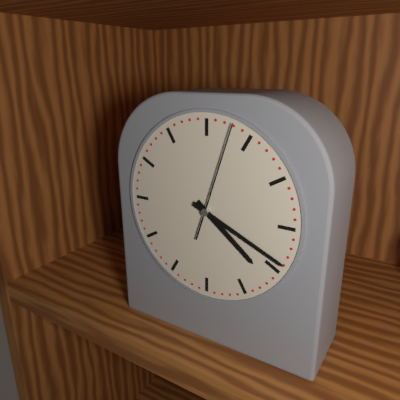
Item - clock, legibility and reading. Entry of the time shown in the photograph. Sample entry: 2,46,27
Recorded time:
4,19,03
